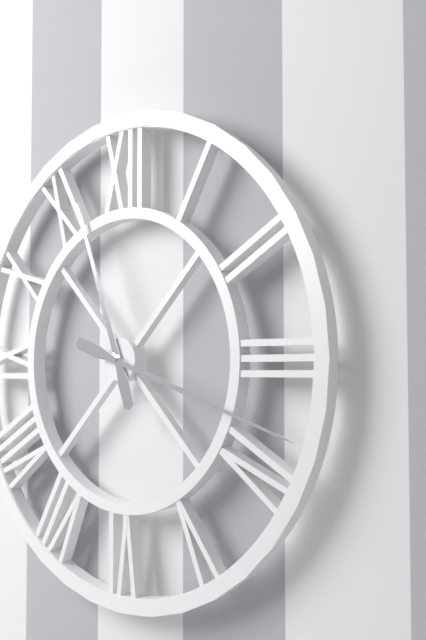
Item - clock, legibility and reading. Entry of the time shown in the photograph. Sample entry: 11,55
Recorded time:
11,18
